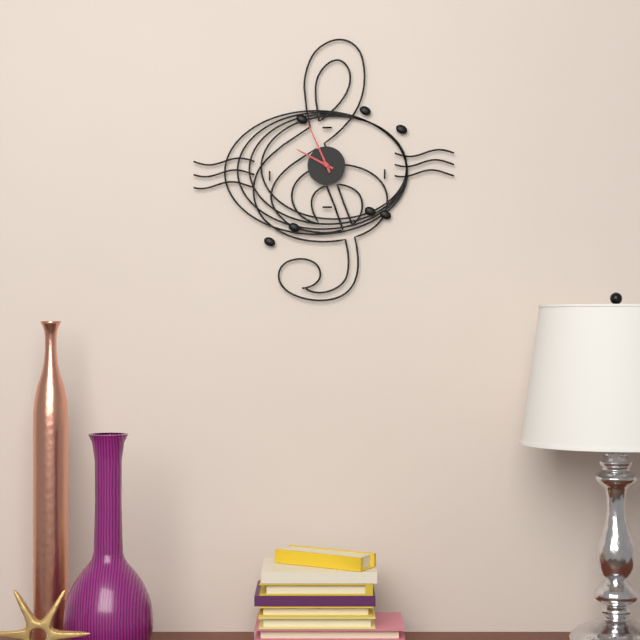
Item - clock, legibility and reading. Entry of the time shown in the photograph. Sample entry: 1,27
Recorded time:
9,56
